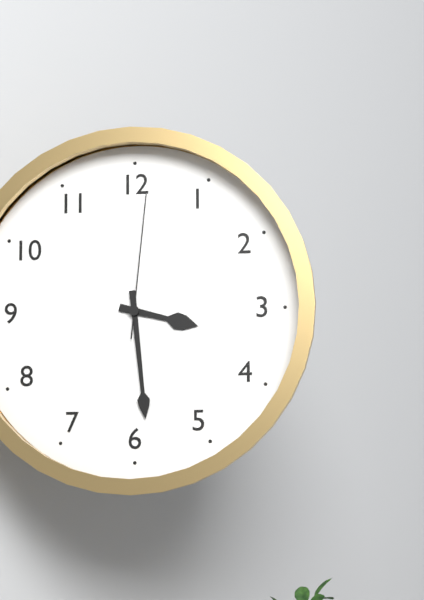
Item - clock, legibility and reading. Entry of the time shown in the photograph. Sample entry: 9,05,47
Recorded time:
3,29,01
